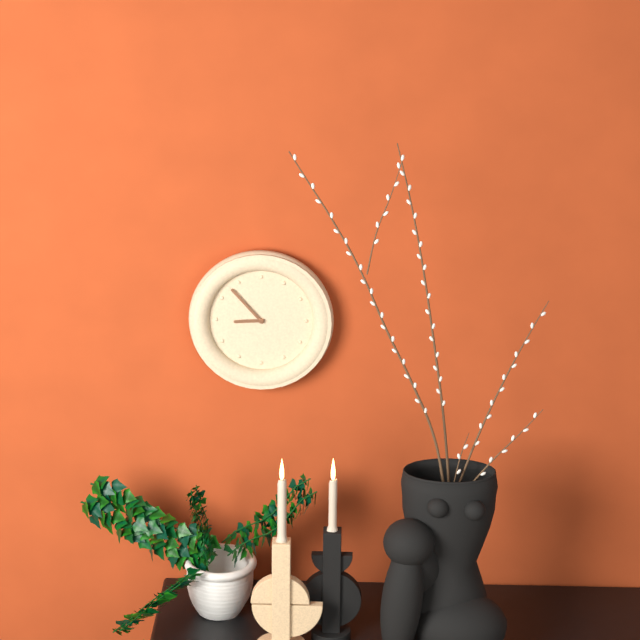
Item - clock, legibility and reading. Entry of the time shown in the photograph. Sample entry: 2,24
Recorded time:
8,53
